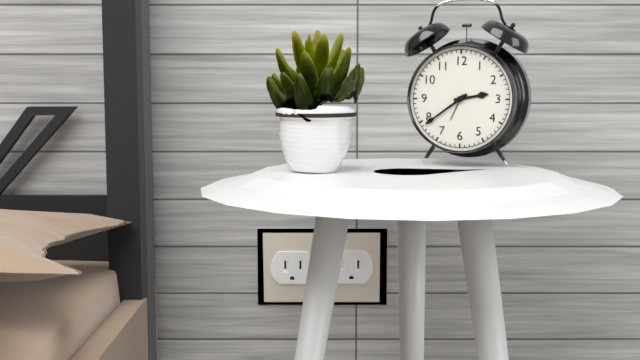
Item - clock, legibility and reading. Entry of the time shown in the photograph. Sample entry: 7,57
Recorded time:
2,39
